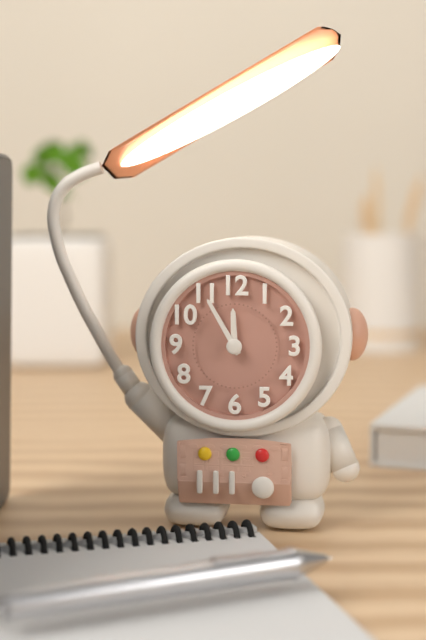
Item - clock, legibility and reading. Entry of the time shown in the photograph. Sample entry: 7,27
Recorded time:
11,55
